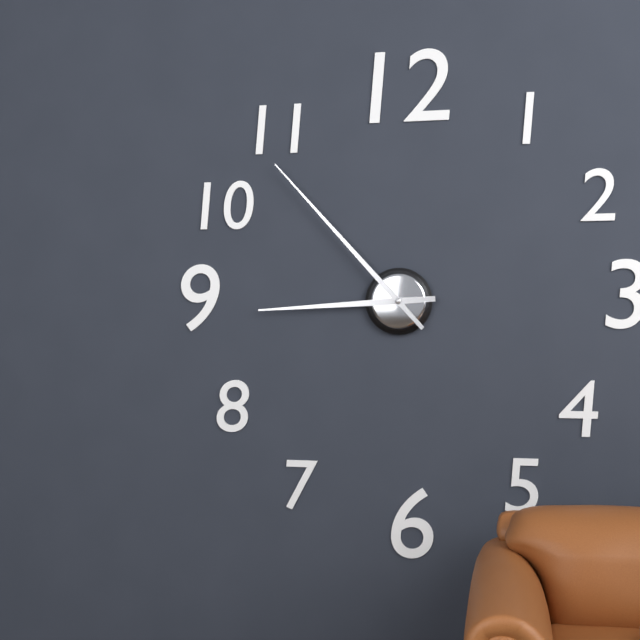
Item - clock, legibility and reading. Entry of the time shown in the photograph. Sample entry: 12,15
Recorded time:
8,53
